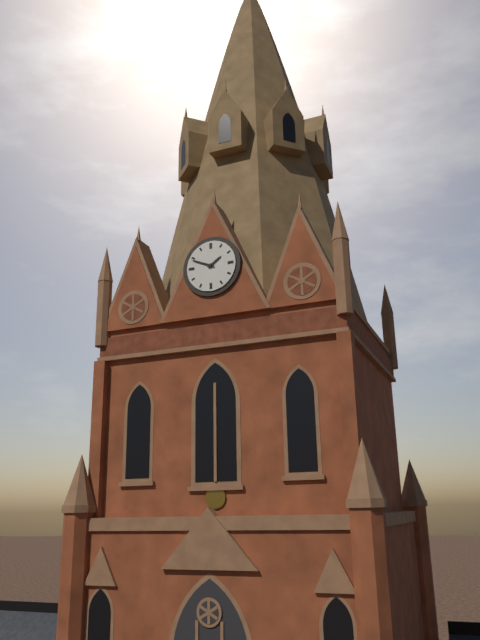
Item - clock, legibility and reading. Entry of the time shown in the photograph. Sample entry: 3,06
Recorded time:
1,49
